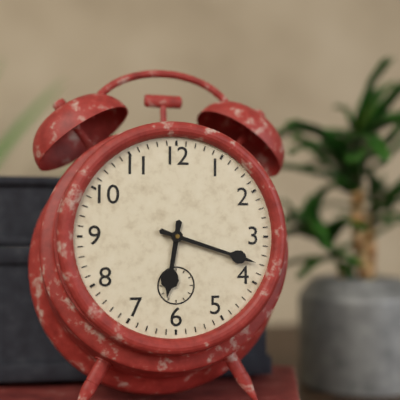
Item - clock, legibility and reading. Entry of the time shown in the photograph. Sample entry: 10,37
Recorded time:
6,18
